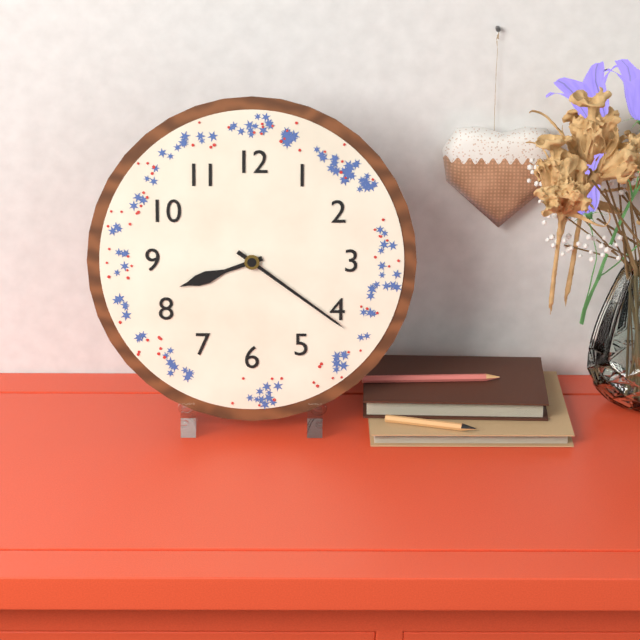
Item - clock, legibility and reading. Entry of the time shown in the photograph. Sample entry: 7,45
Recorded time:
8,21
